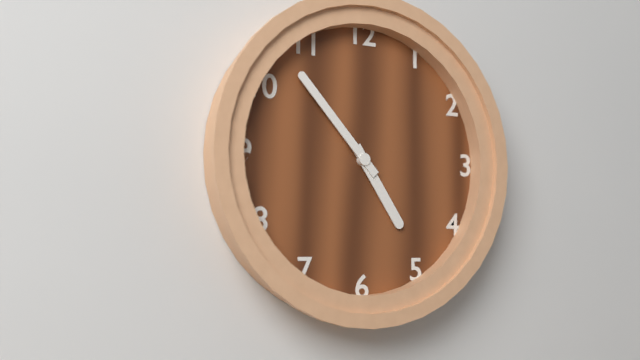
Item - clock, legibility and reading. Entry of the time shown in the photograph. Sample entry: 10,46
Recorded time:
4,53
